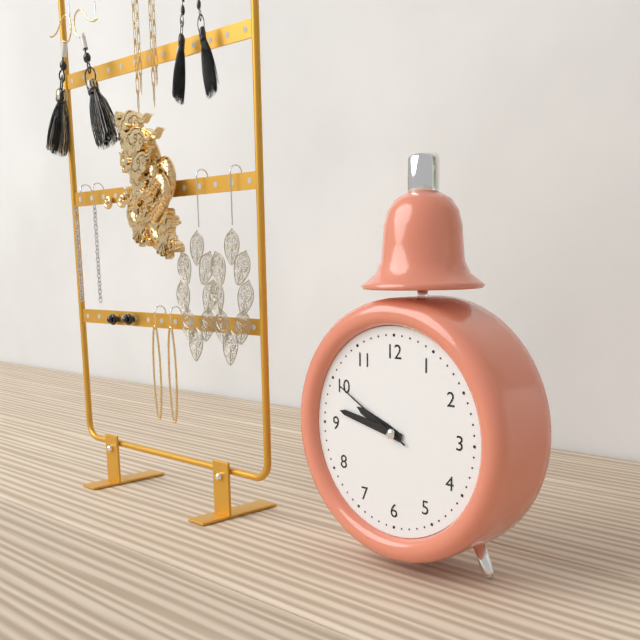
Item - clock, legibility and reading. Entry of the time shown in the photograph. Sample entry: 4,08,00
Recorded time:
9,47,50
